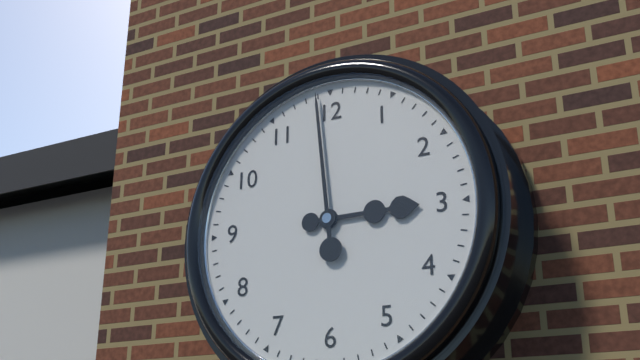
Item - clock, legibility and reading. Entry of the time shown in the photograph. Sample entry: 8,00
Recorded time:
2,59
